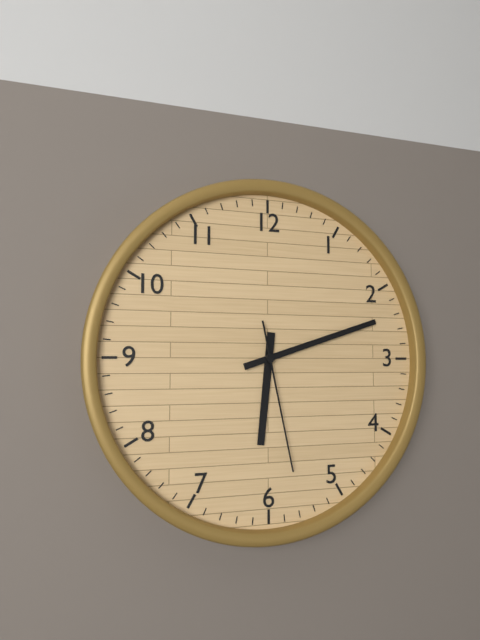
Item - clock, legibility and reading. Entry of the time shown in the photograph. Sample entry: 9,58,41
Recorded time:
6,12,28
